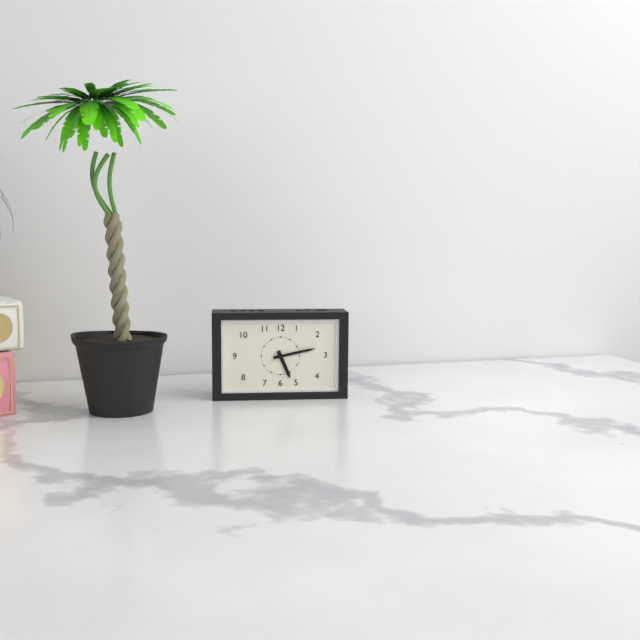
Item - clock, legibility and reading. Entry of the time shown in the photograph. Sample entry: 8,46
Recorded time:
5,13
